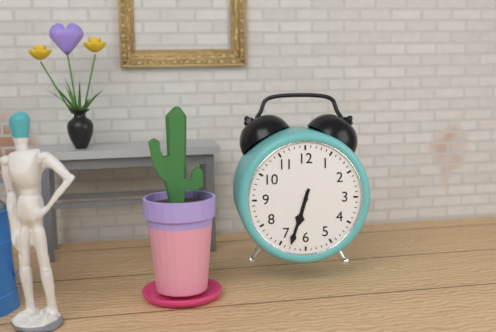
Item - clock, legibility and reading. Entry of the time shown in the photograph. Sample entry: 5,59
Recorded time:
6,33
